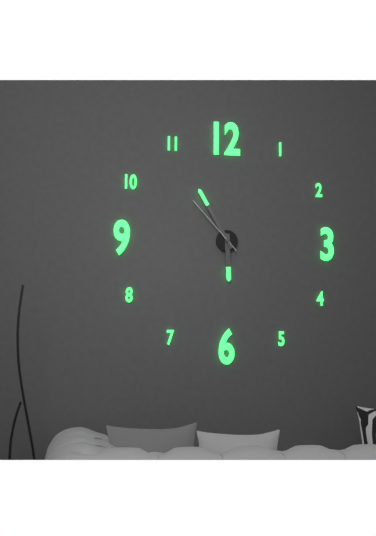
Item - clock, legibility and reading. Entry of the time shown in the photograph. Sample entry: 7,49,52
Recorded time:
5,55,53
